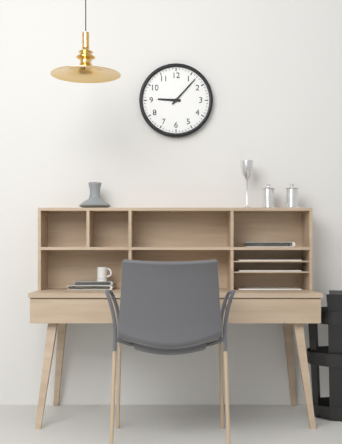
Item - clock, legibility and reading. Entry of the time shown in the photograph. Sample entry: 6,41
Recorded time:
9,07
